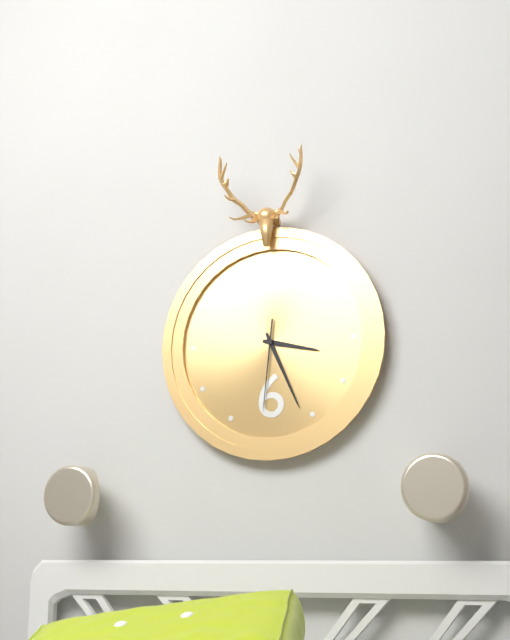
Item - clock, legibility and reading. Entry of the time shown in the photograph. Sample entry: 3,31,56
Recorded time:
3,26,31
